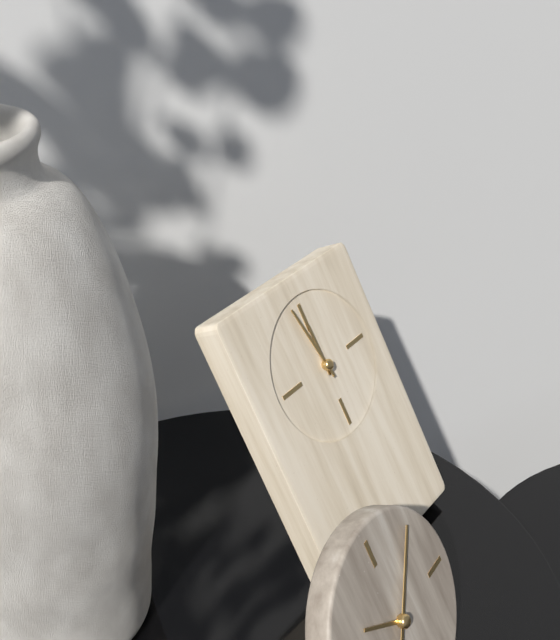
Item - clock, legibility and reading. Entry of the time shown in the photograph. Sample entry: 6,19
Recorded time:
11,58
